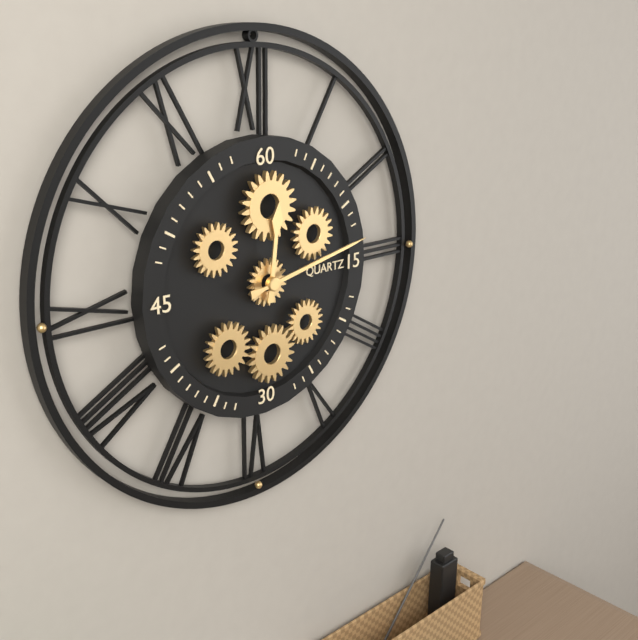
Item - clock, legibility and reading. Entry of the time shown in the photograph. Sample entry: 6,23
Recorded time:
12,13
